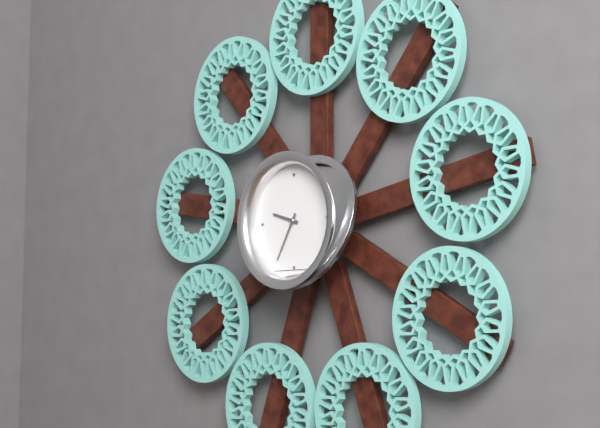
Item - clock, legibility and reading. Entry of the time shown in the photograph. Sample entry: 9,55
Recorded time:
9,35
